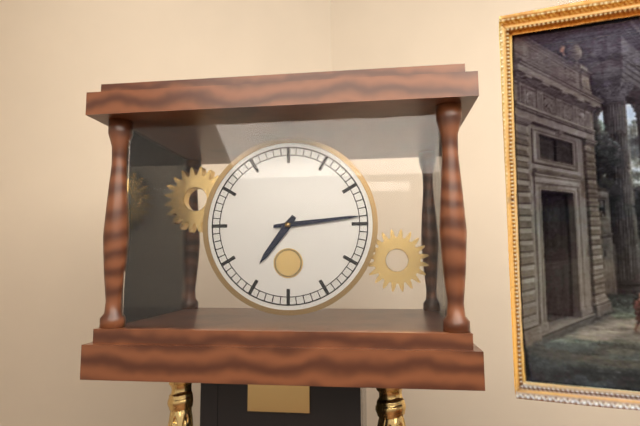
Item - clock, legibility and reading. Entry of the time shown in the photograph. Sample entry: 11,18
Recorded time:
7,14
